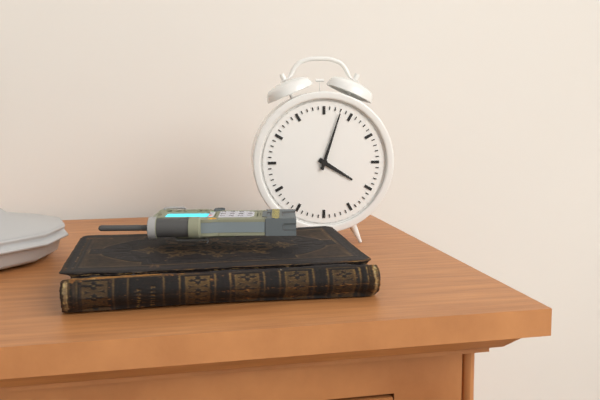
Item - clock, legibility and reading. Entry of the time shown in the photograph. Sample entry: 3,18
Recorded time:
4,03
